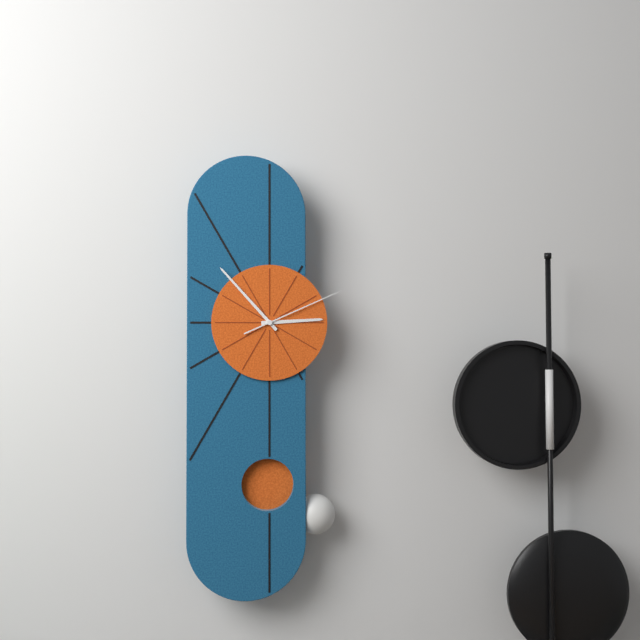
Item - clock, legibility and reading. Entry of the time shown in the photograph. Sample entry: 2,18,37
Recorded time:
2,53,11
